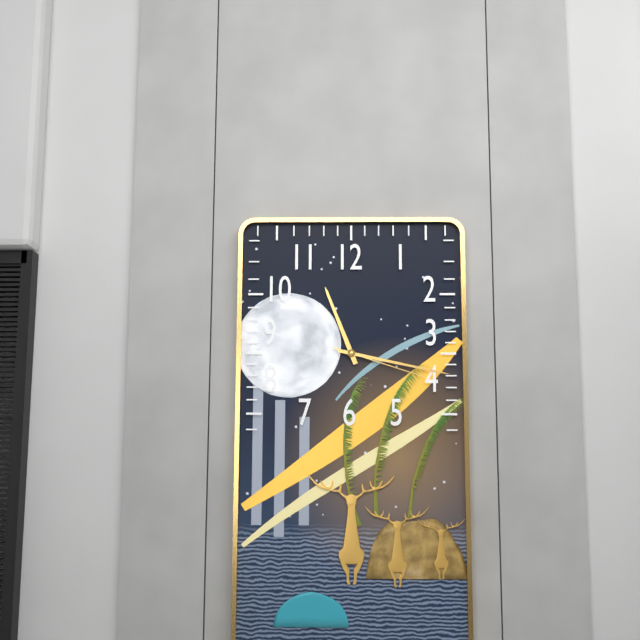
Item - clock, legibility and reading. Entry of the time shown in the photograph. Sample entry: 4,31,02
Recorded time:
11,17,18
